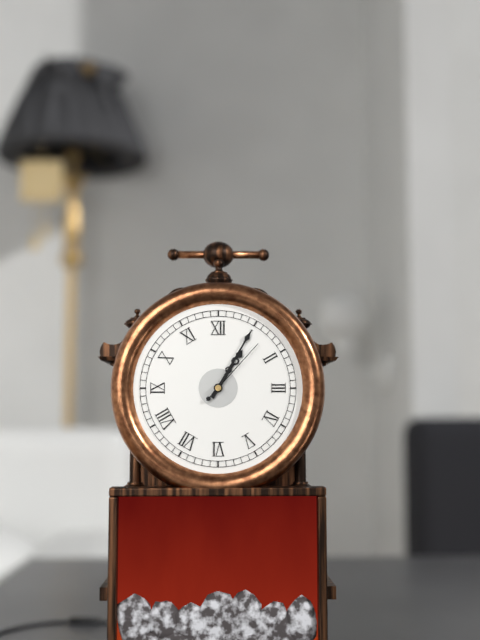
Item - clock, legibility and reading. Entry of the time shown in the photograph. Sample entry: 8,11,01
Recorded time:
1,05,07
